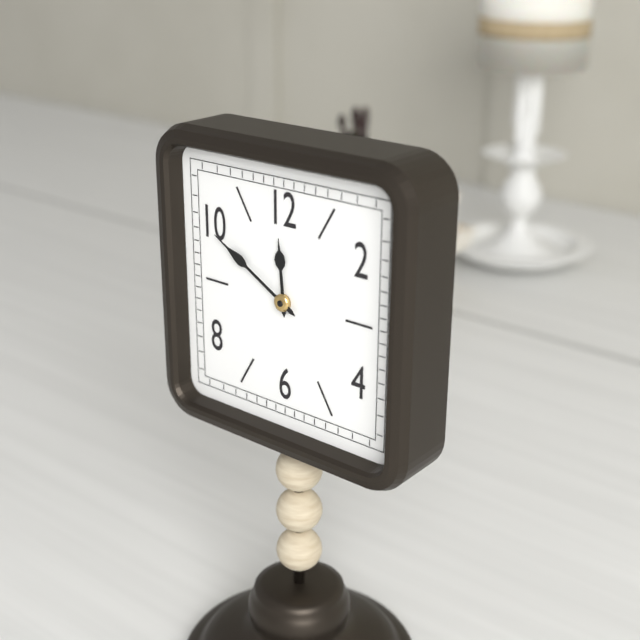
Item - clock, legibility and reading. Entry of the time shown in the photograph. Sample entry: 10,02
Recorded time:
11,50
